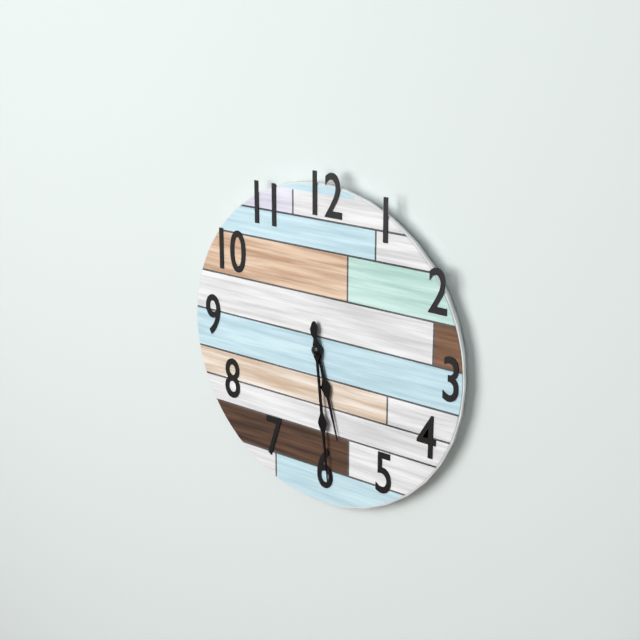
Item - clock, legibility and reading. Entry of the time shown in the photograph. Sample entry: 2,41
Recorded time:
5,29
